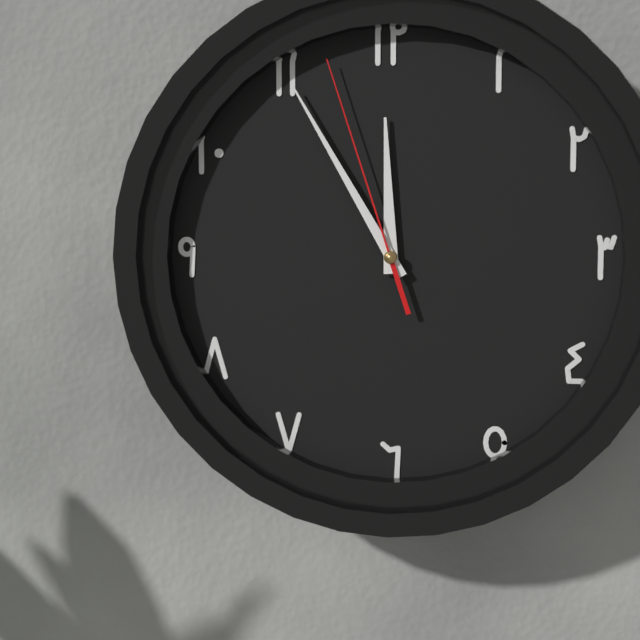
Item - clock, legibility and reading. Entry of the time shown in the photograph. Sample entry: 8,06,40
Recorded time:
11,55,57
